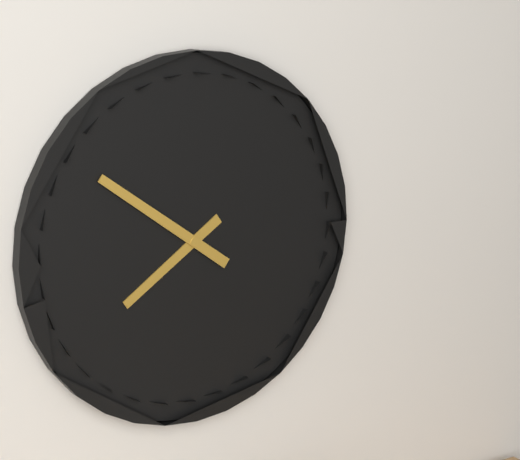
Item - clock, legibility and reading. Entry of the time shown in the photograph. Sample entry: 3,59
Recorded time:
7,51
